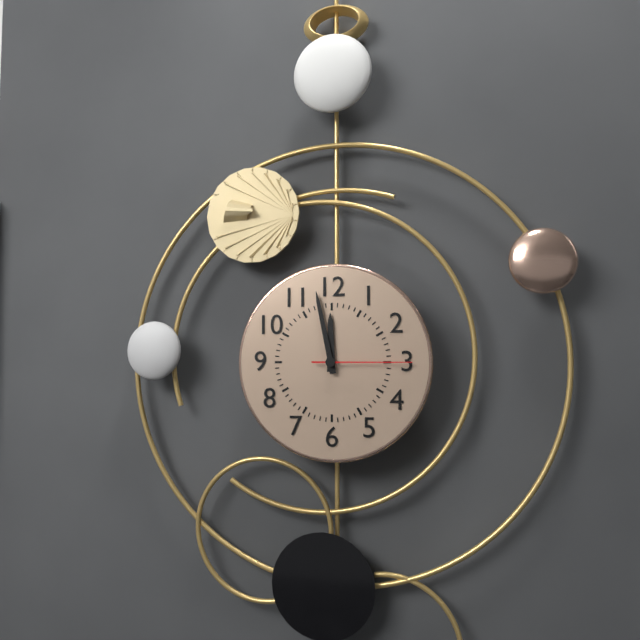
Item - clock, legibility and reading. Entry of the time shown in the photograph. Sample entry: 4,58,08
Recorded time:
11,58,15
